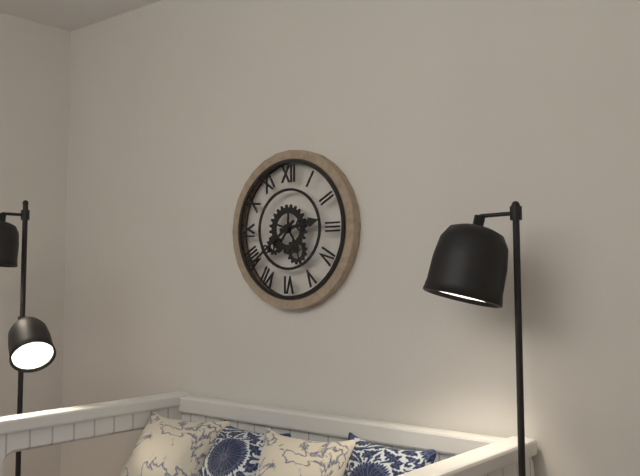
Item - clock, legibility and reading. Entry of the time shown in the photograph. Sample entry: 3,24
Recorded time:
2,39
